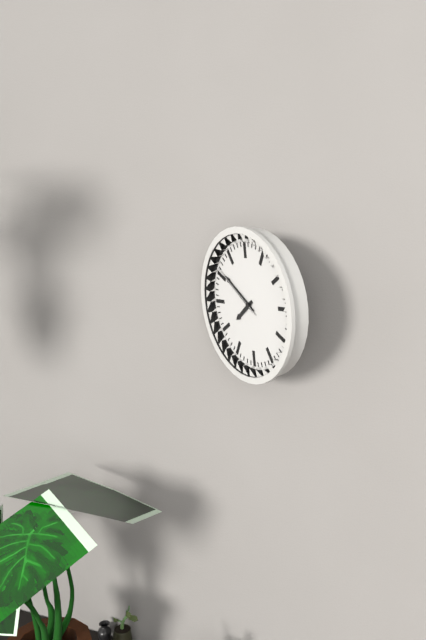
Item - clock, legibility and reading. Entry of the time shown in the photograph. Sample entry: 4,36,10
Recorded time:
7,51,51
